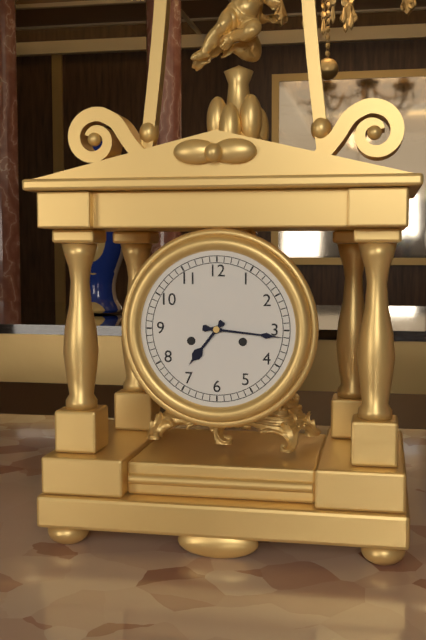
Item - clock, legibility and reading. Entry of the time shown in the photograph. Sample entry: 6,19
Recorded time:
7,16
